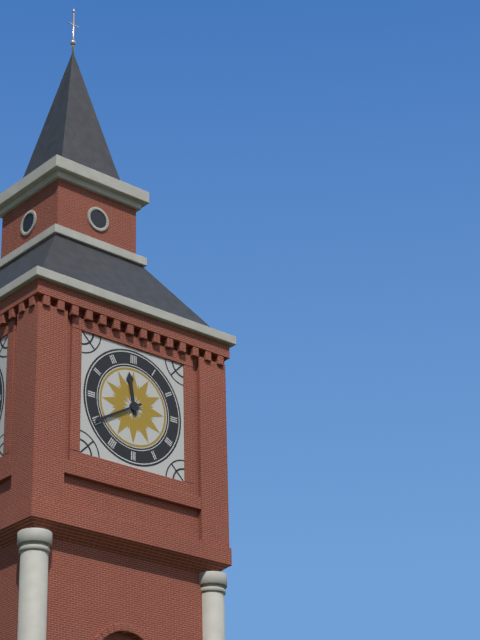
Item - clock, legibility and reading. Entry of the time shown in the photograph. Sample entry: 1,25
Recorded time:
11,40
